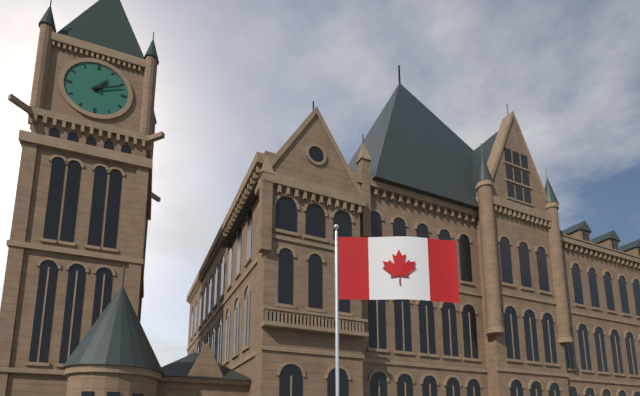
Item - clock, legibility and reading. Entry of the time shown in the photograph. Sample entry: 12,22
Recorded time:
1,11
